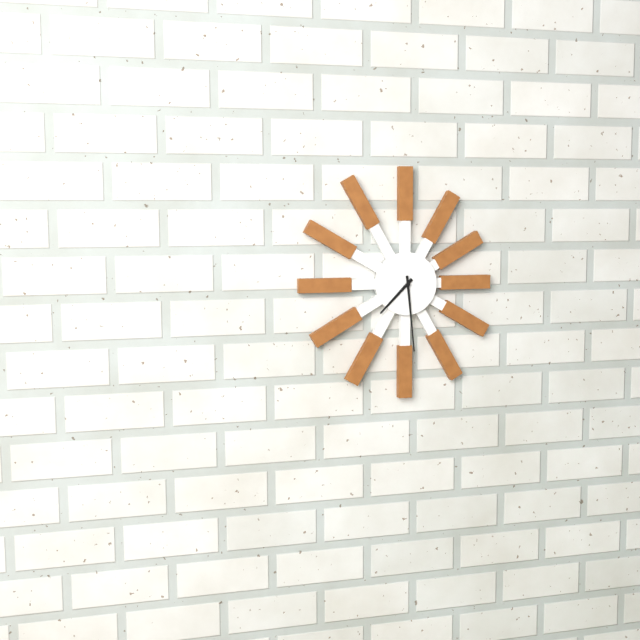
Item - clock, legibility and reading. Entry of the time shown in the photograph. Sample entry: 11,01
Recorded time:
7,29
